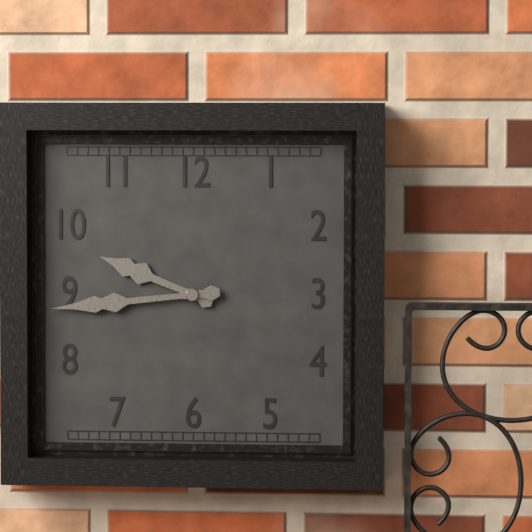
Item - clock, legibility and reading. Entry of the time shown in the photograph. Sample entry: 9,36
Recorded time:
9,44
